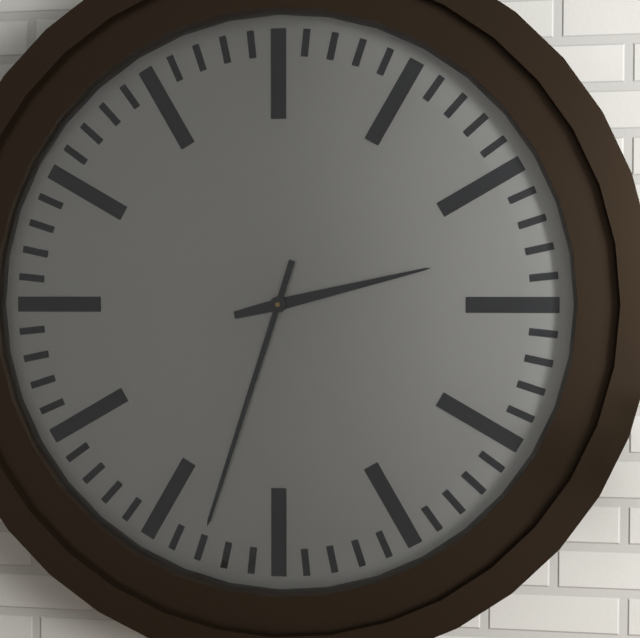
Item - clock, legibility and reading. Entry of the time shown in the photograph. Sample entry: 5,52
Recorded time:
2,33
